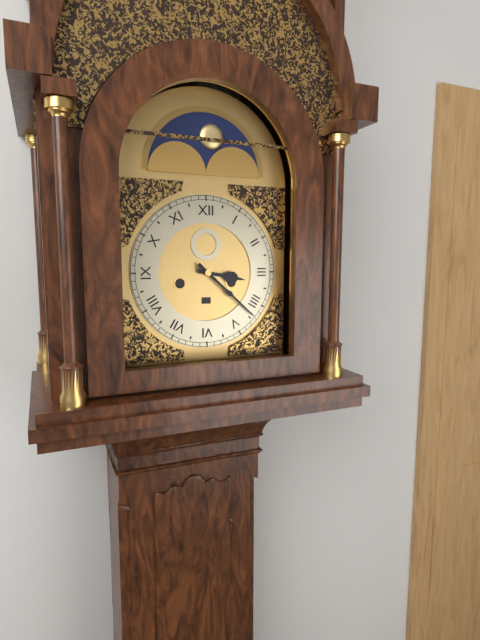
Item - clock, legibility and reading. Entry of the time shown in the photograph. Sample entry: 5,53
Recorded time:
3,22
